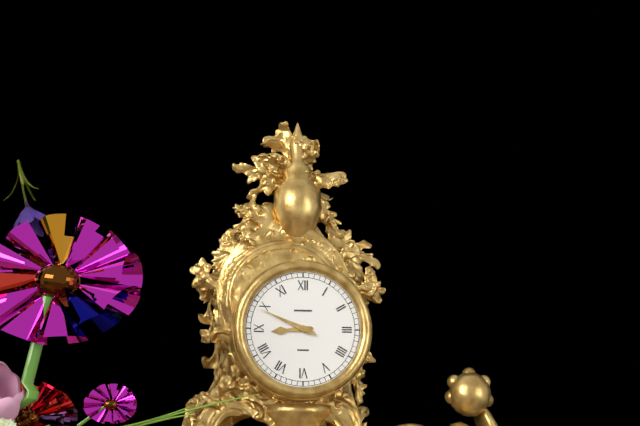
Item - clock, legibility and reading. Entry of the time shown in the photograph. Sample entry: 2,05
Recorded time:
8,49
